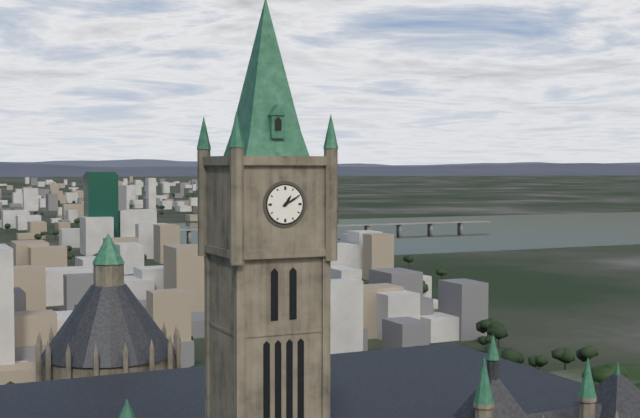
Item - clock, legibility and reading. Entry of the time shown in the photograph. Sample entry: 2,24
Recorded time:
1,10
